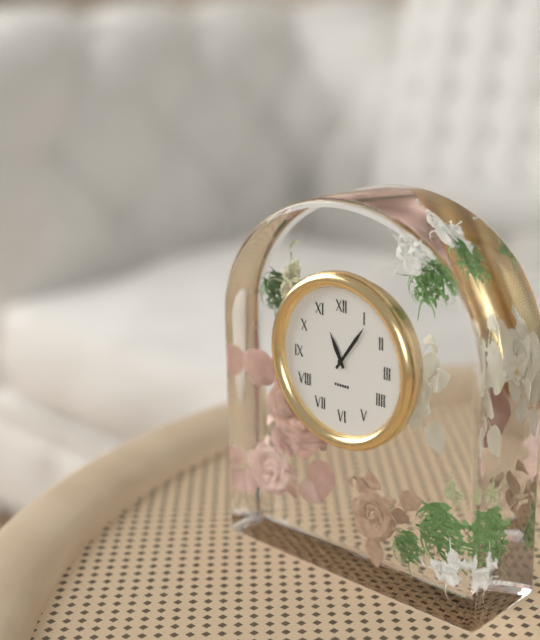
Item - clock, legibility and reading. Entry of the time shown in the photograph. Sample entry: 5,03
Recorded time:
11,06
